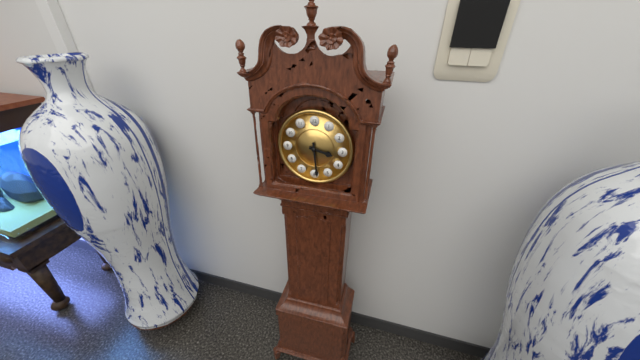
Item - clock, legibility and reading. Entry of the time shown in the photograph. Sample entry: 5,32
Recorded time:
3,29
